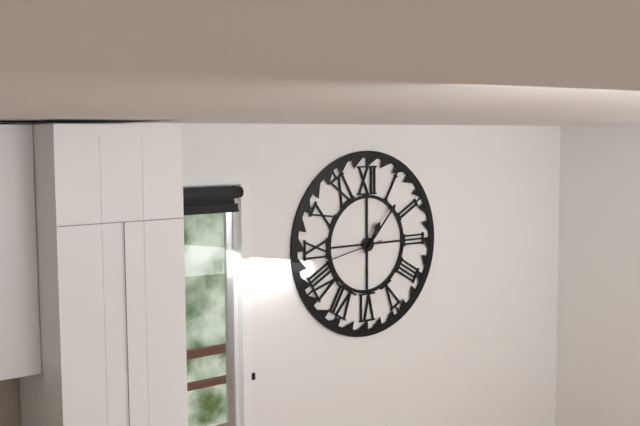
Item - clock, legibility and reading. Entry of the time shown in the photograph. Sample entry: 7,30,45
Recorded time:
1,07,43
